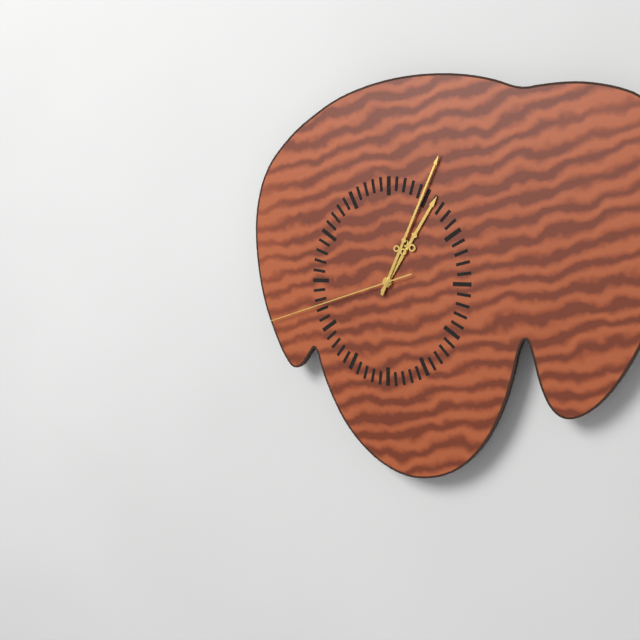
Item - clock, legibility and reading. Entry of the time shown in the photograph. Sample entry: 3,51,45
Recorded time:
1,04,42
